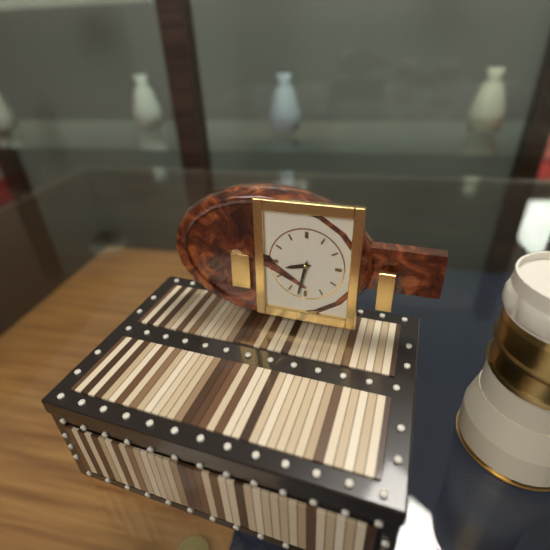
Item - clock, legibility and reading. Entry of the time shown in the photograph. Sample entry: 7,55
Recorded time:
8,32
